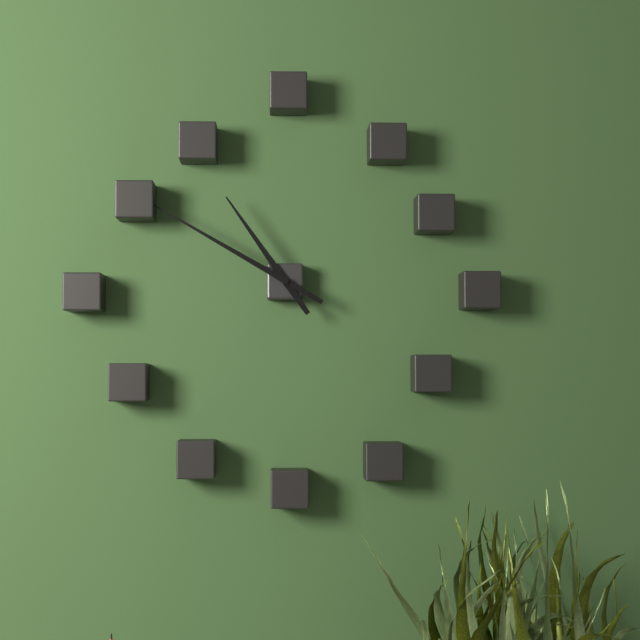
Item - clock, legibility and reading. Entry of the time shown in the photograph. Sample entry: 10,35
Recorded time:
10,50
